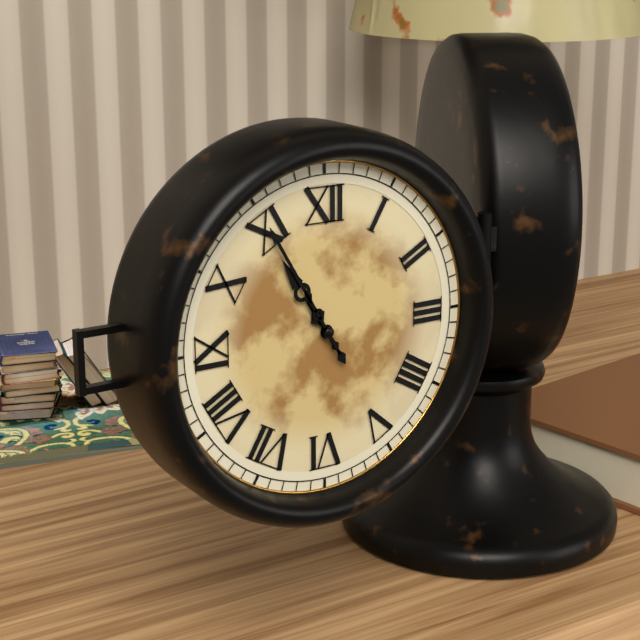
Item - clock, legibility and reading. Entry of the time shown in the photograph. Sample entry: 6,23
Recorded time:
10,55
